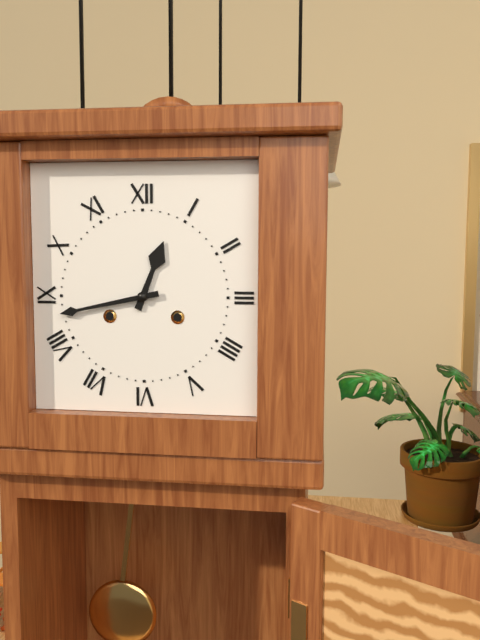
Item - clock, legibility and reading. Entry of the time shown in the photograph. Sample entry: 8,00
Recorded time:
12,43
